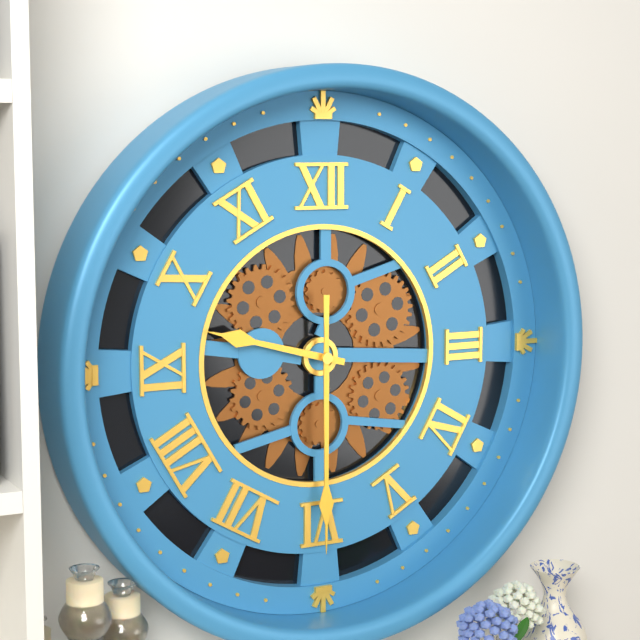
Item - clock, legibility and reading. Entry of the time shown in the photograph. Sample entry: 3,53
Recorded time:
9,30
